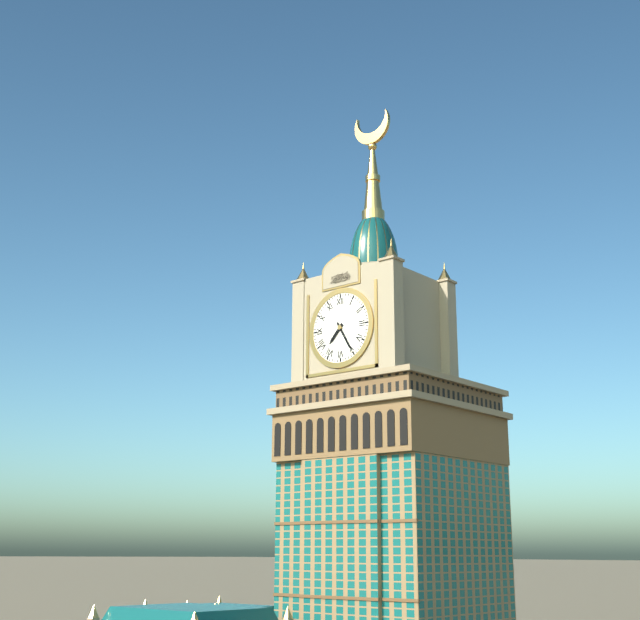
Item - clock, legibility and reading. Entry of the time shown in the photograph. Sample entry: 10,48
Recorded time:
7,25
